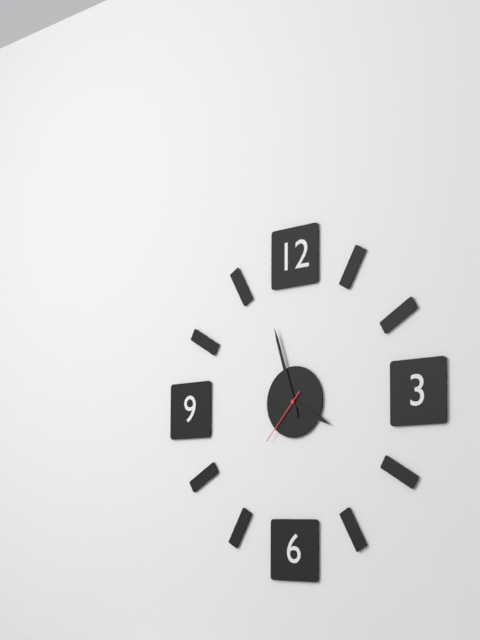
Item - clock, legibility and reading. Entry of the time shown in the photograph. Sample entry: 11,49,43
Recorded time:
3,57,37
